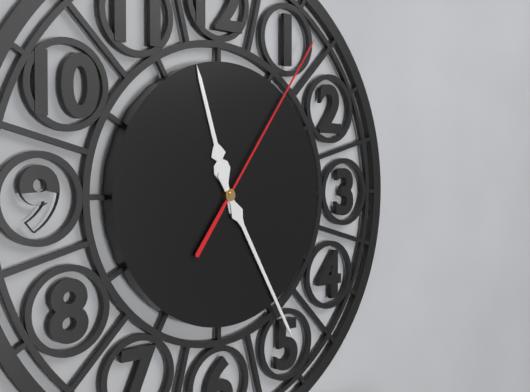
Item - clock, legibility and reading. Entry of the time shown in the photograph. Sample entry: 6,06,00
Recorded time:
11,25,06
